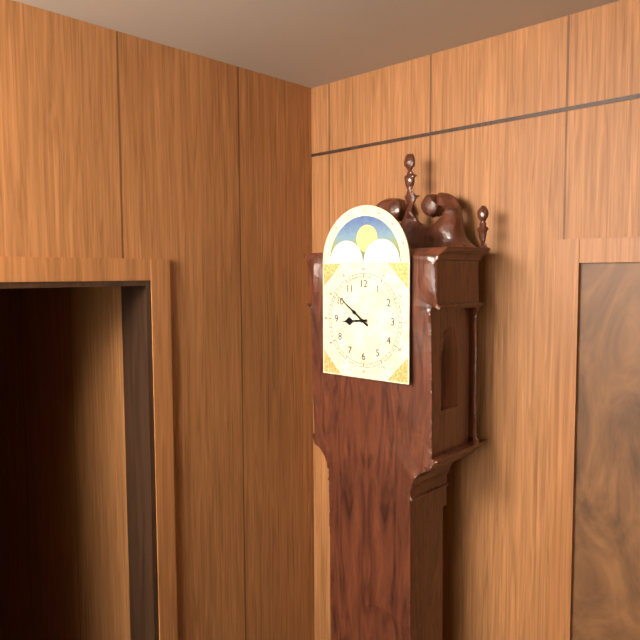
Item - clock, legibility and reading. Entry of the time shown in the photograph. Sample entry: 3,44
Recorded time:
8,51
